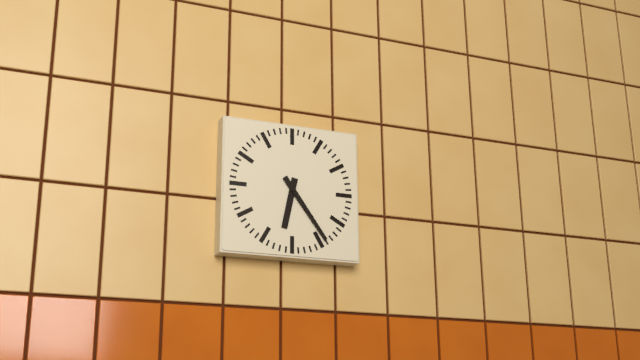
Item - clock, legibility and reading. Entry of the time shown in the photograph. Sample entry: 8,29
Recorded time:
6,24
